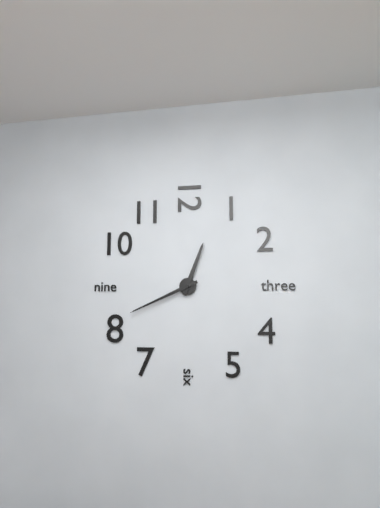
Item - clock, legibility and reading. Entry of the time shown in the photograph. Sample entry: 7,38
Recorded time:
12,41
